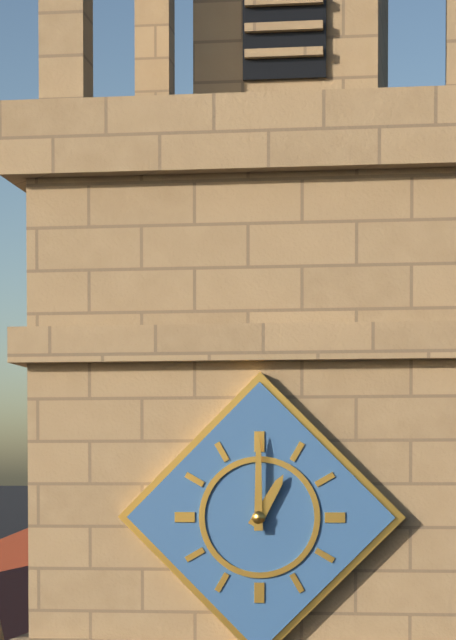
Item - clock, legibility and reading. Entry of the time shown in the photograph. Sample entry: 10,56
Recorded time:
1,00
